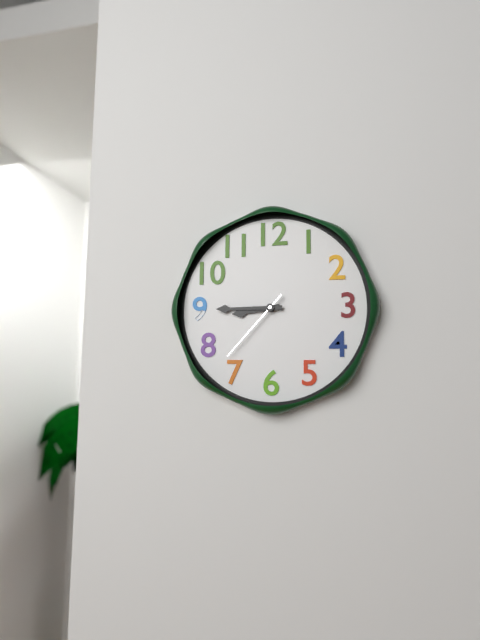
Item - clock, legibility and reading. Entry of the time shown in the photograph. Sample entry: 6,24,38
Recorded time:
8,45,37
